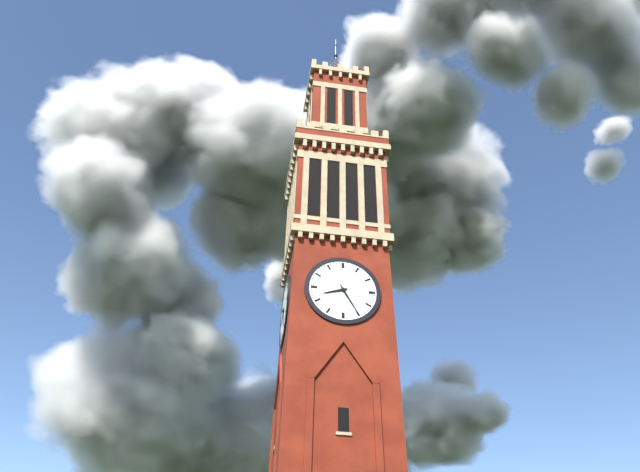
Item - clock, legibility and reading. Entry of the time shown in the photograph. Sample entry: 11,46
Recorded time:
8,25
